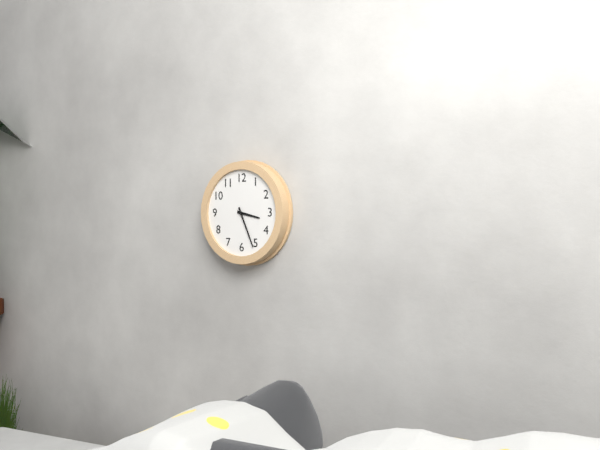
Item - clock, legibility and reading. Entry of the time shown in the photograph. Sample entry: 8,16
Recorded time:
3,26
